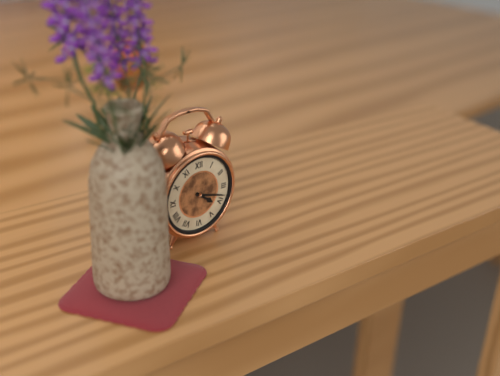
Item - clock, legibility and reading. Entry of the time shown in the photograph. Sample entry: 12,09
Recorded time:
4,18
